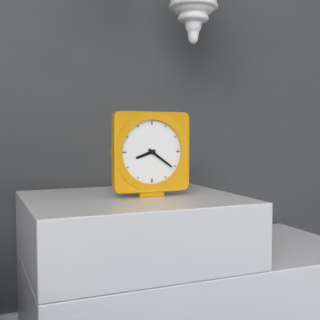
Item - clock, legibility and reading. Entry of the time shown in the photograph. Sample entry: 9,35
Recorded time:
8,21
